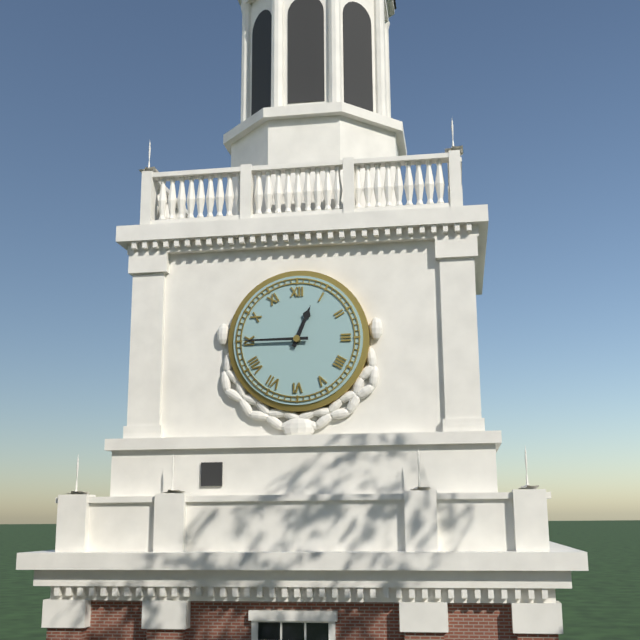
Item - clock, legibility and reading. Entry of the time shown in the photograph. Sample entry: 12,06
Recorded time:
12,45
